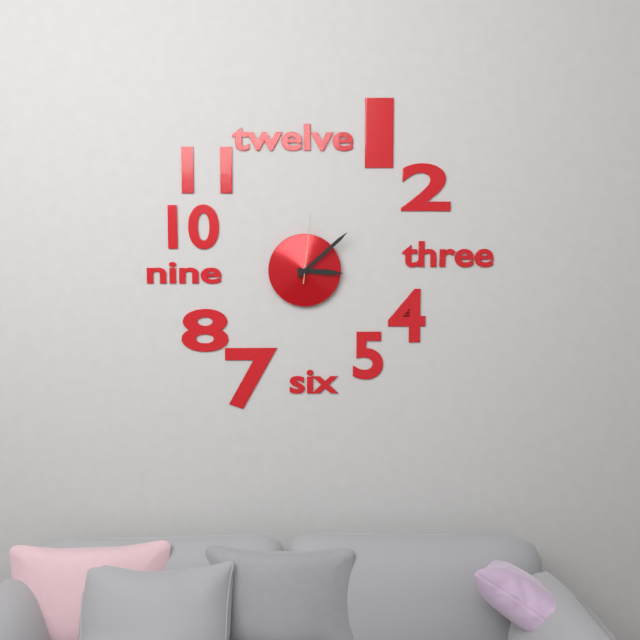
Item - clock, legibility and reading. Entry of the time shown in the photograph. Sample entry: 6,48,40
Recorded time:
3,08,01
